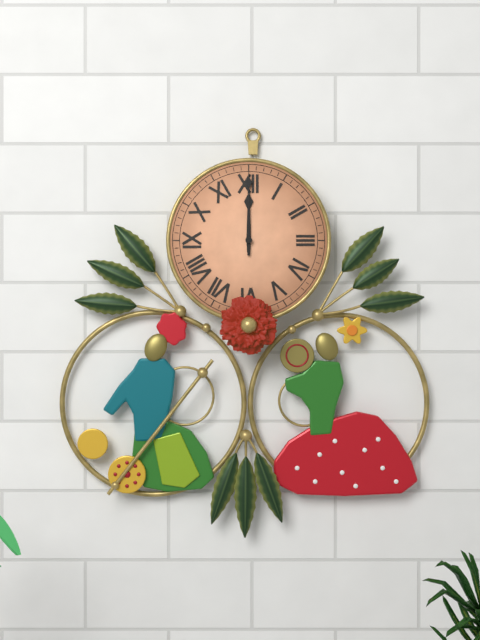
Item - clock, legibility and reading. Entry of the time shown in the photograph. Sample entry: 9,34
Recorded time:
12,00
